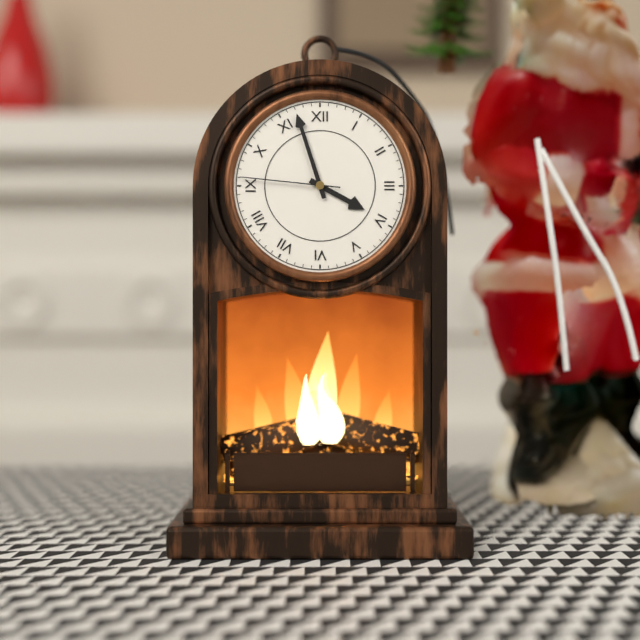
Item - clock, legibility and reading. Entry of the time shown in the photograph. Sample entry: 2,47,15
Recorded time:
3,57,46
